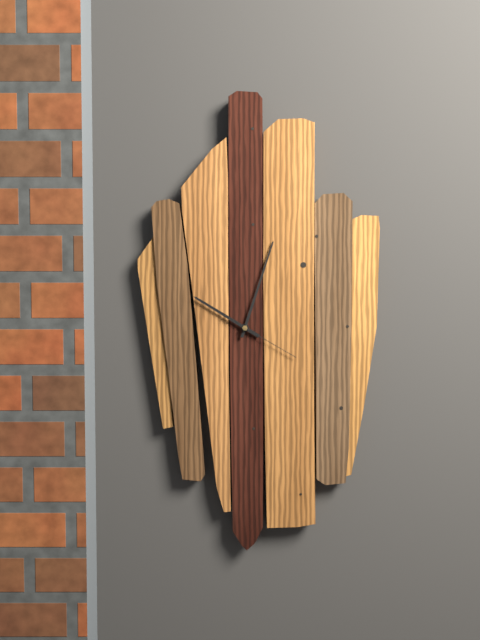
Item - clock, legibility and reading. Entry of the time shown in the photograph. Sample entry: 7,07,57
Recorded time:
10,03,20
